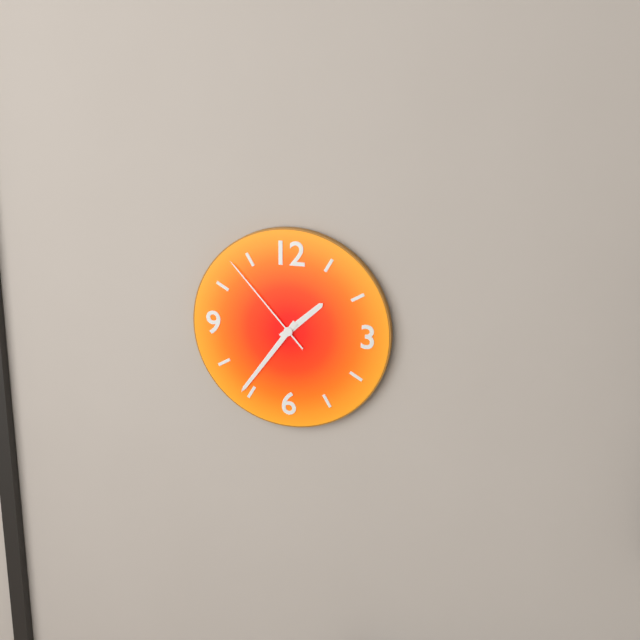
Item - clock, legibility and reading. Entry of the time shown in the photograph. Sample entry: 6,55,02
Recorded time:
1,36,53
